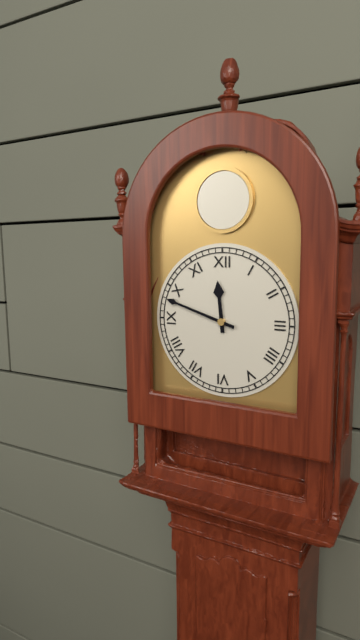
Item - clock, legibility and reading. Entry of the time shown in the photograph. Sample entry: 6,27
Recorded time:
11,48
